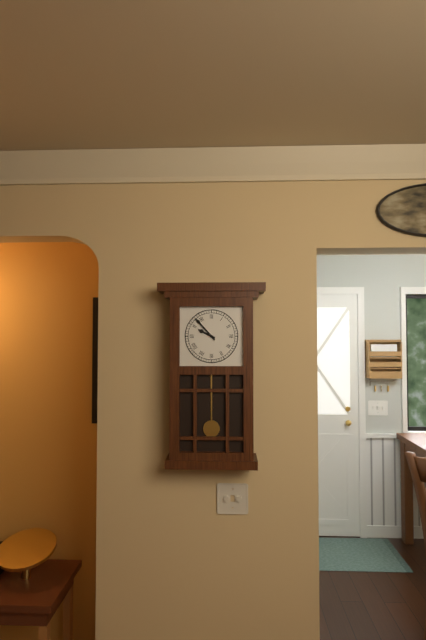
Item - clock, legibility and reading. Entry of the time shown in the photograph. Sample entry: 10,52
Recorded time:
9,53
